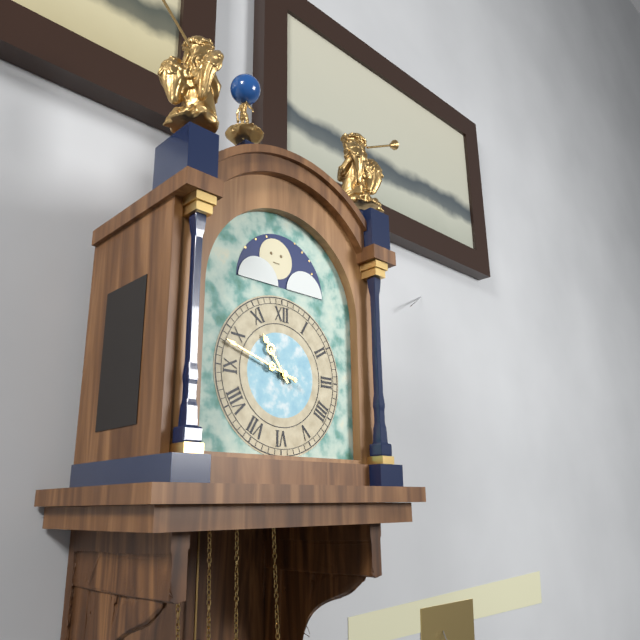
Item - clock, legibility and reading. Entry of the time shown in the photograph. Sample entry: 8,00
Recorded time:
10,48
